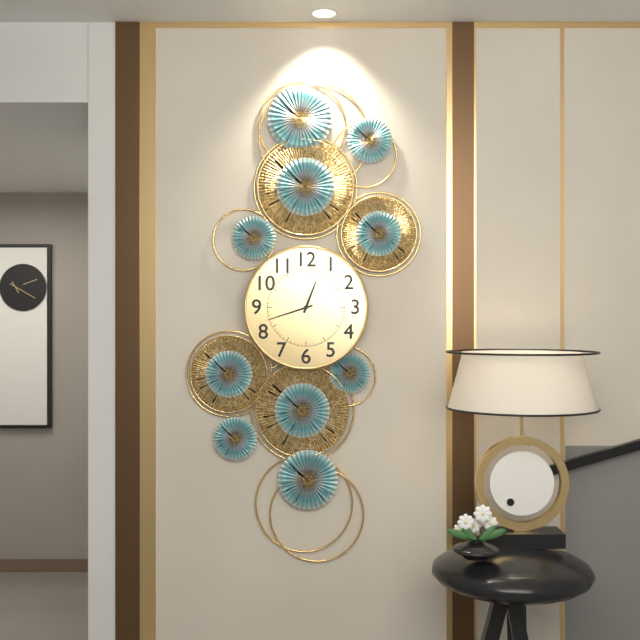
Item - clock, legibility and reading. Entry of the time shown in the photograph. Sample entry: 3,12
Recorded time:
12,42
